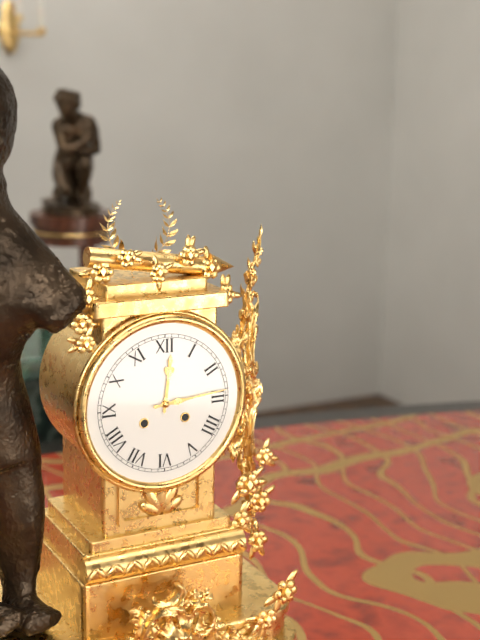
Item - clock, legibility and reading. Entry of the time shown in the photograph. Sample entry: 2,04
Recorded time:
12,14
